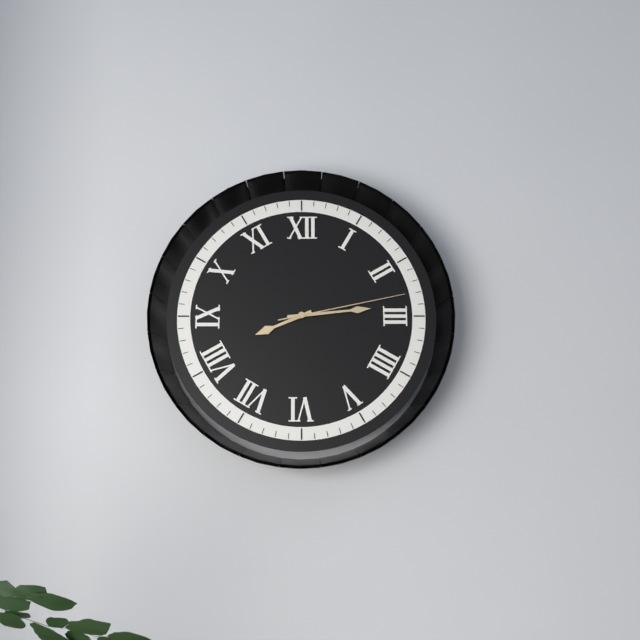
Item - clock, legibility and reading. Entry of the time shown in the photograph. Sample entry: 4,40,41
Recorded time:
8,14,13
